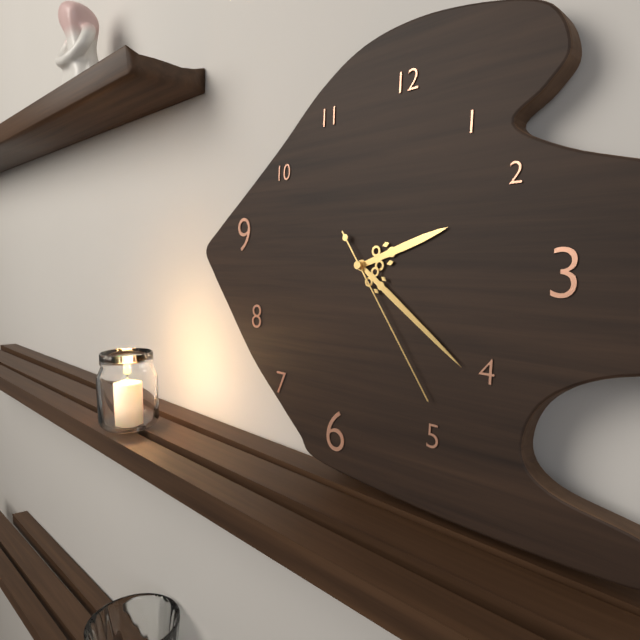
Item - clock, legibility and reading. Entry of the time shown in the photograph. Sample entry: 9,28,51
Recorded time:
2,21,24
